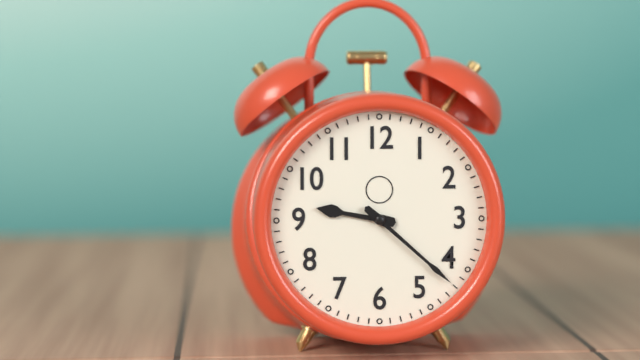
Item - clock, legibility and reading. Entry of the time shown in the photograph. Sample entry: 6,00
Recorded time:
9,22
